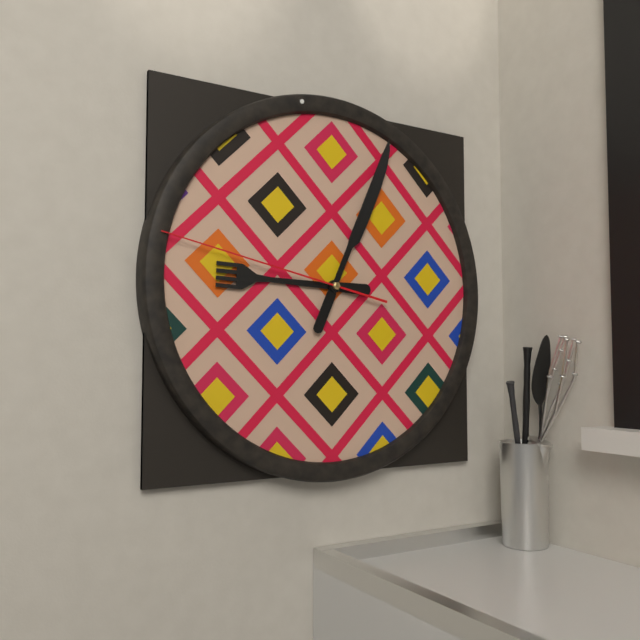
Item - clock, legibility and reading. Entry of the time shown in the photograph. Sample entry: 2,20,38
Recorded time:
9,04,47
